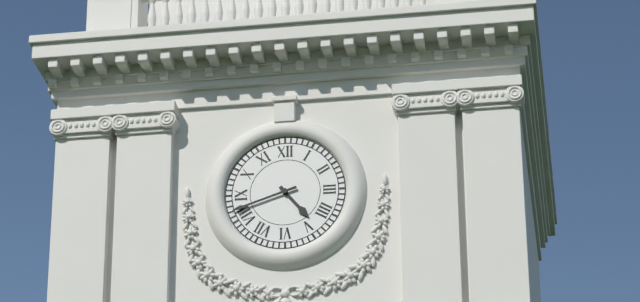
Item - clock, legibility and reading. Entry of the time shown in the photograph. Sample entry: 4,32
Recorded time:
4,42
